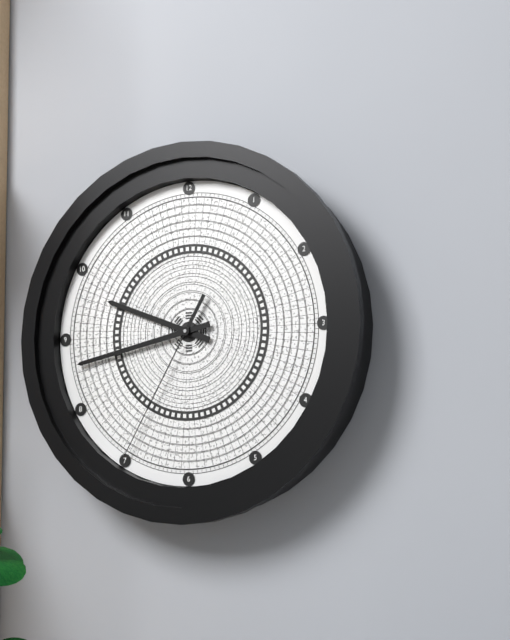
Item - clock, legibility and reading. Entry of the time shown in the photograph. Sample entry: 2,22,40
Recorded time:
9,43,35
